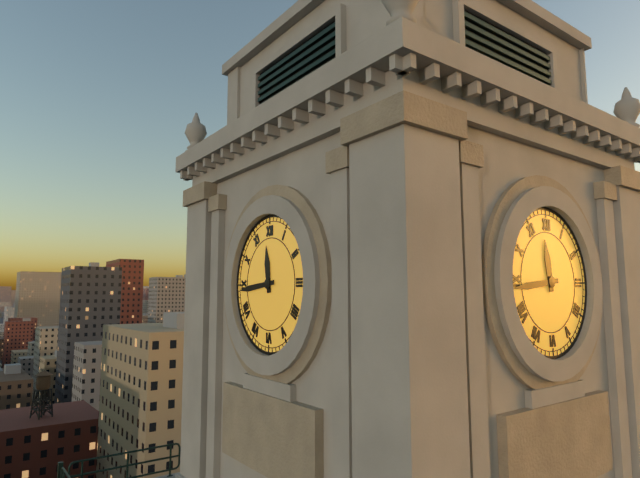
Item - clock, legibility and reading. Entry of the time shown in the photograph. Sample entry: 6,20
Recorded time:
11,44
